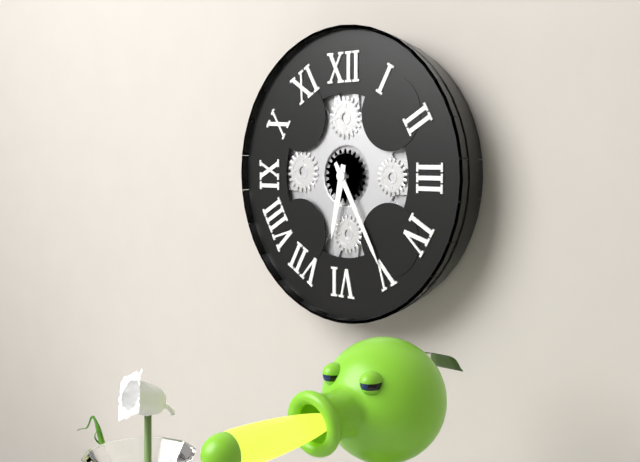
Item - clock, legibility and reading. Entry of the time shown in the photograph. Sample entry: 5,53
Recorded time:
6,25
